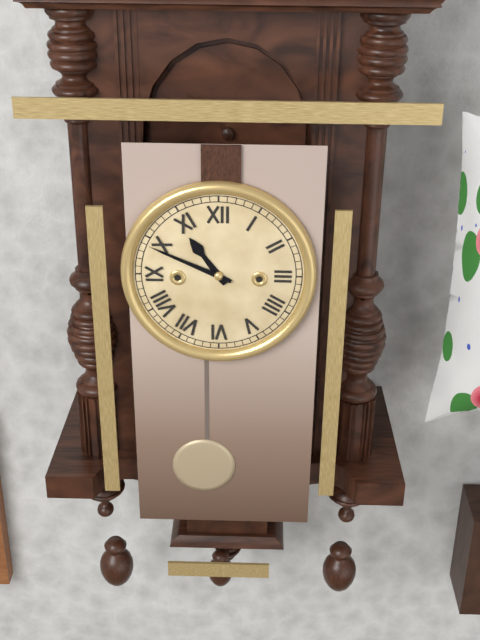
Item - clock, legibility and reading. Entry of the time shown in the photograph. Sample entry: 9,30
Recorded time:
10,49
